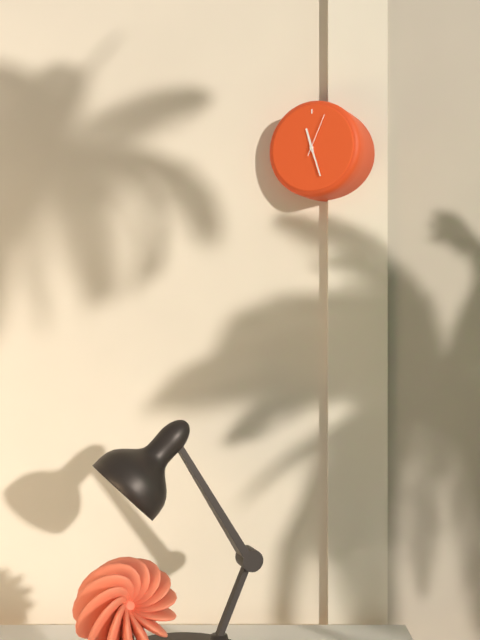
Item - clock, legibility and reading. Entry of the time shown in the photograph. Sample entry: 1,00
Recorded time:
11,27
